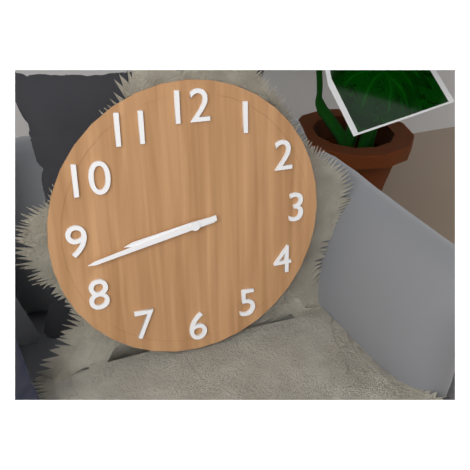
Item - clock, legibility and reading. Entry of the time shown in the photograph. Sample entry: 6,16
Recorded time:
8,43
